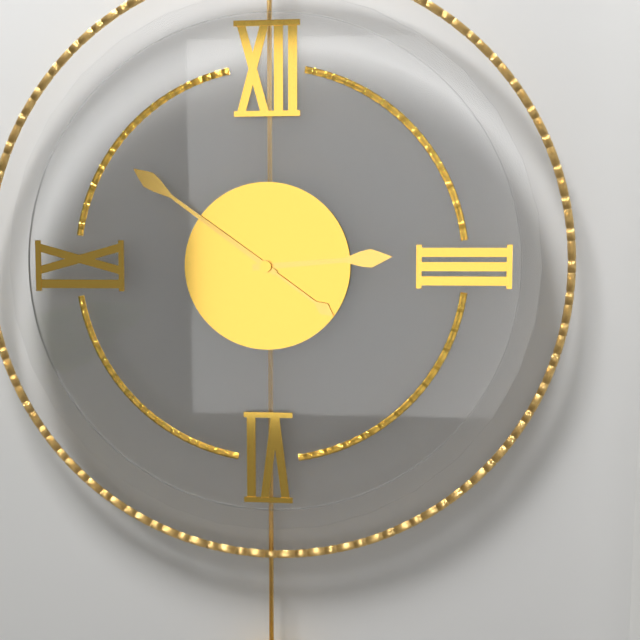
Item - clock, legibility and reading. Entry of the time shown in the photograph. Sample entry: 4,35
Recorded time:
2,51
